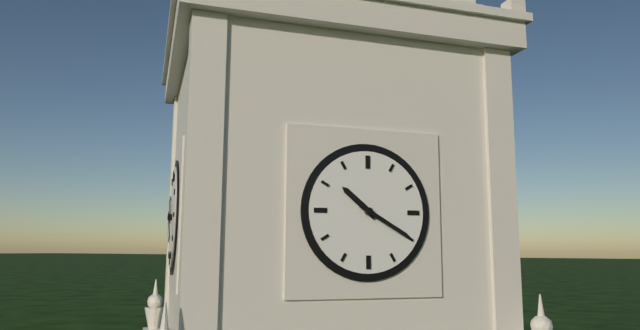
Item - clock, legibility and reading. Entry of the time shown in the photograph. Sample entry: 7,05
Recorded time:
10,20
